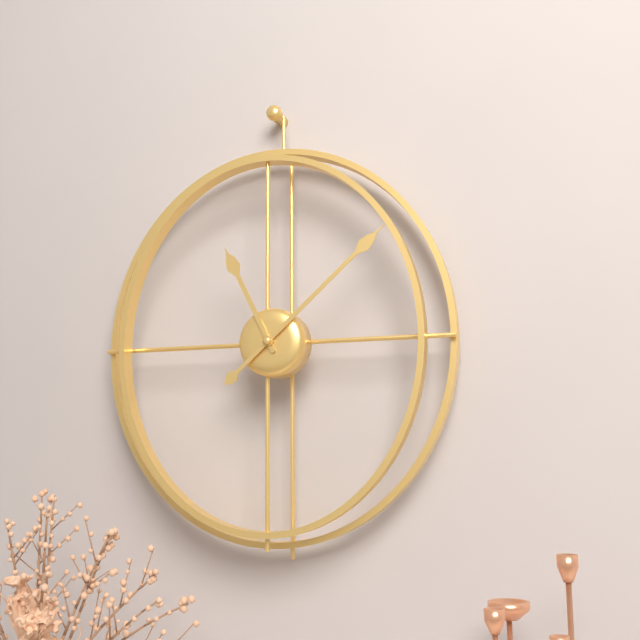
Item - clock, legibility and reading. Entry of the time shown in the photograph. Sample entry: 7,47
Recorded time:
11,08
